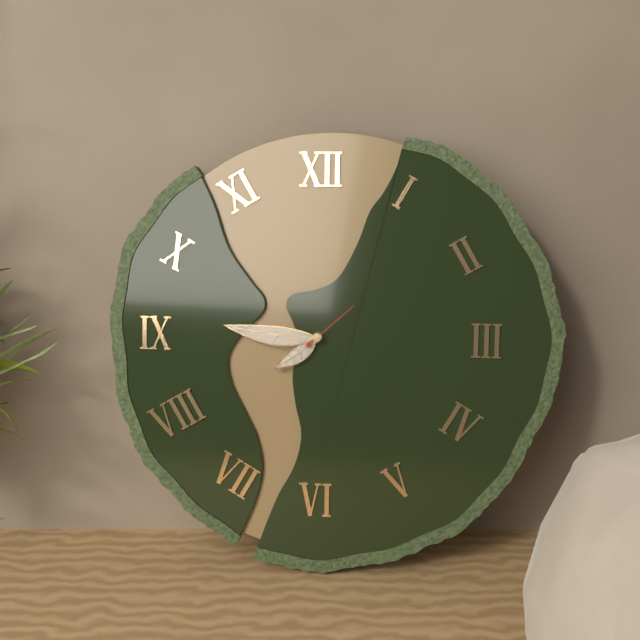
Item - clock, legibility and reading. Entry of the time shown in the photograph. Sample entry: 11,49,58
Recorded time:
7,46,08
